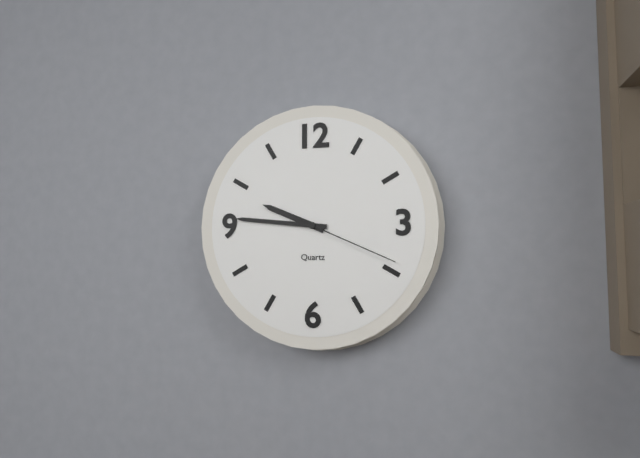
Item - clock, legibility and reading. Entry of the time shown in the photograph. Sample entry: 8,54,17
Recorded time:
9,46,19
